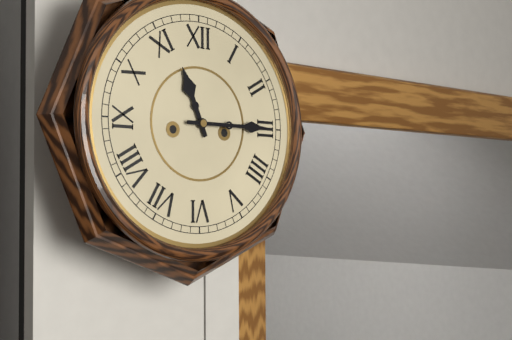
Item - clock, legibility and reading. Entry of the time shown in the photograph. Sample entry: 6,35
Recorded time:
11,15
